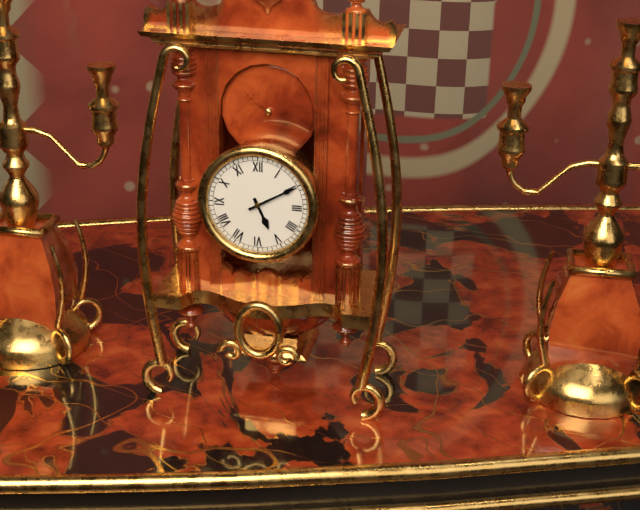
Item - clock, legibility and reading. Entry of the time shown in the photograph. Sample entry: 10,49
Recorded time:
5,10
